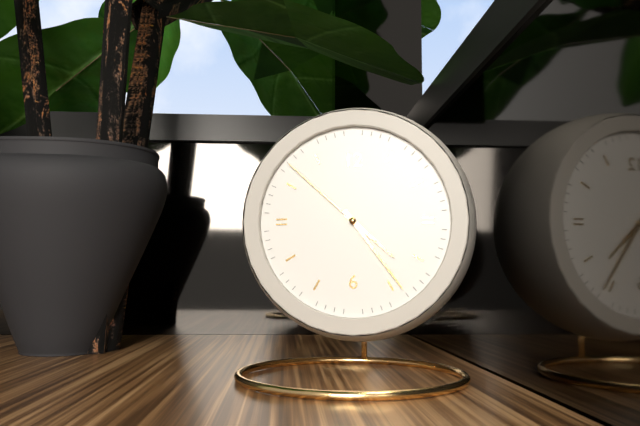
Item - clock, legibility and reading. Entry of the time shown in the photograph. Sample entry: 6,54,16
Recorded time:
4,24,52
